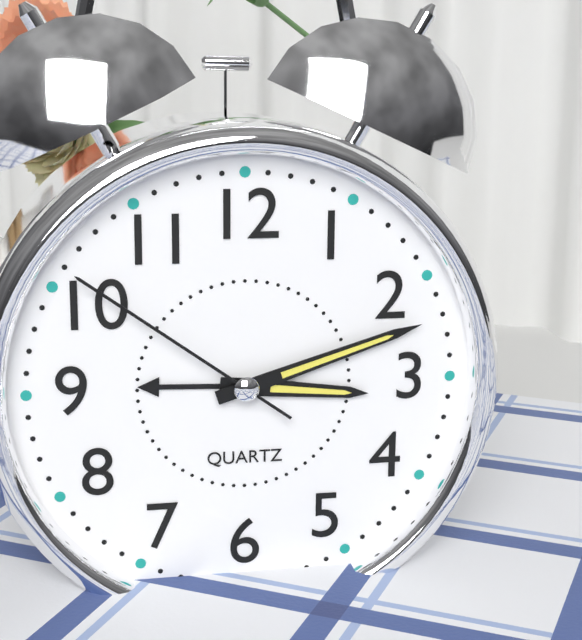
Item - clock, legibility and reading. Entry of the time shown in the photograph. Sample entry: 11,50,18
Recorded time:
3,12,51
